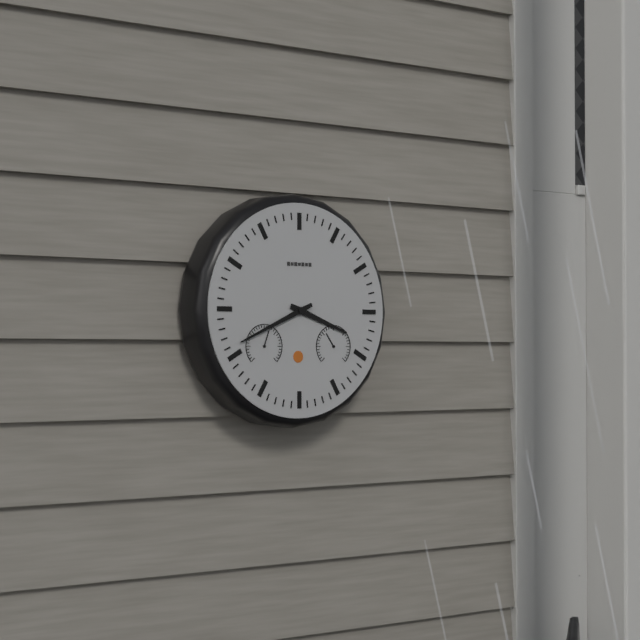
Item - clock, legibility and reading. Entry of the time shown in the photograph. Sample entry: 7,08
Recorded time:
3,41
